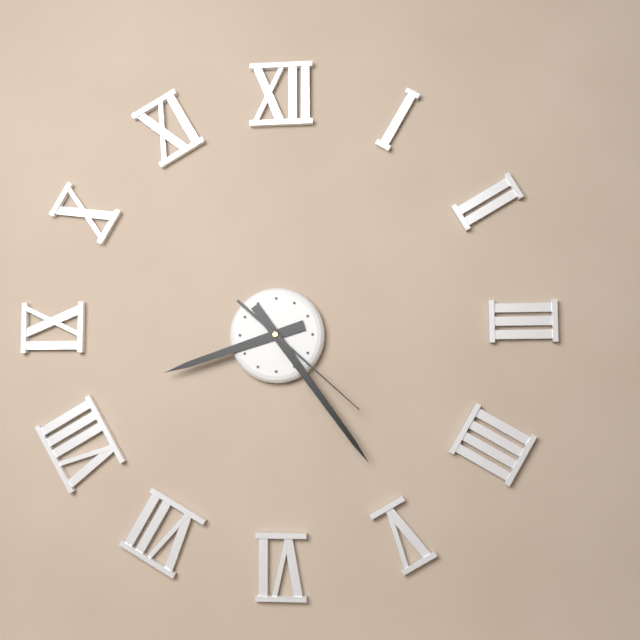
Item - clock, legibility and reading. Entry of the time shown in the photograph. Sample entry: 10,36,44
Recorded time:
8,24,22
